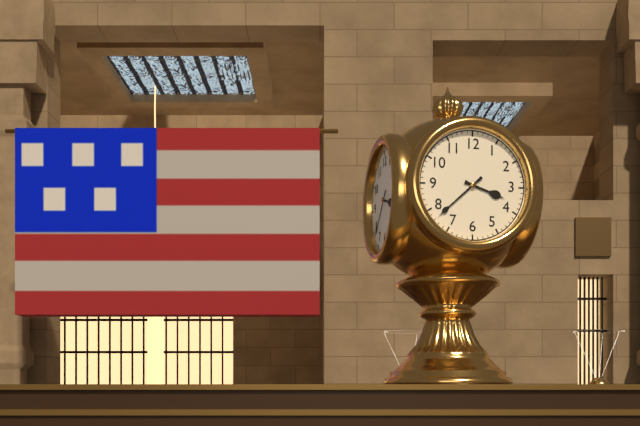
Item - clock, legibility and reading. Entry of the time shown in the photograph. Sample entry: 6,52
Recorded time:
3,38
